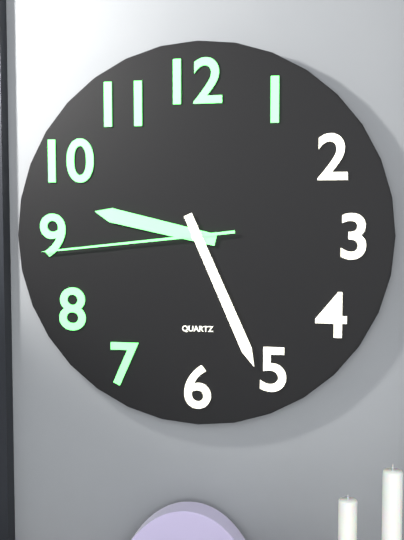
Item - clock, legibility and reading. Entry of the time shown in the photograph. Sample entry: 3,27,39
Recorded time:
9,26,44
